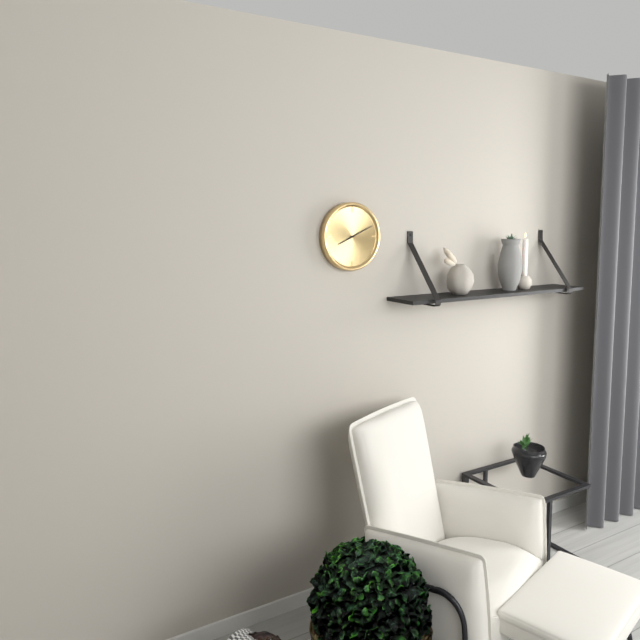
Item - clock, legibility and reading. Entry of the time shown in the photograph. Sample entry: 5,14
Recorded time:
8,11
